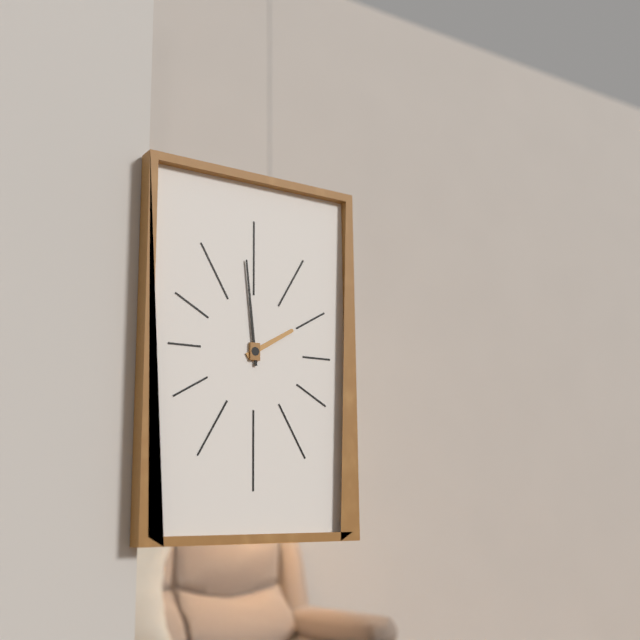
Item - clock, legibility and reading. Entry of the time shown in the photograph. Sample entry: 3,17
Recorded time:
1,59
